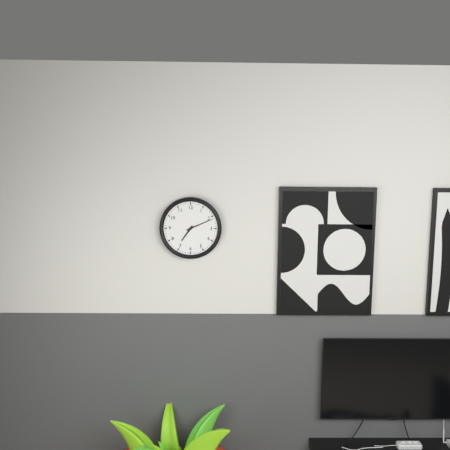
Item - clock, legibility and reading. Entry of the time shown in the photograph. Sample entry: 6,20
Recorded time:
7,11
